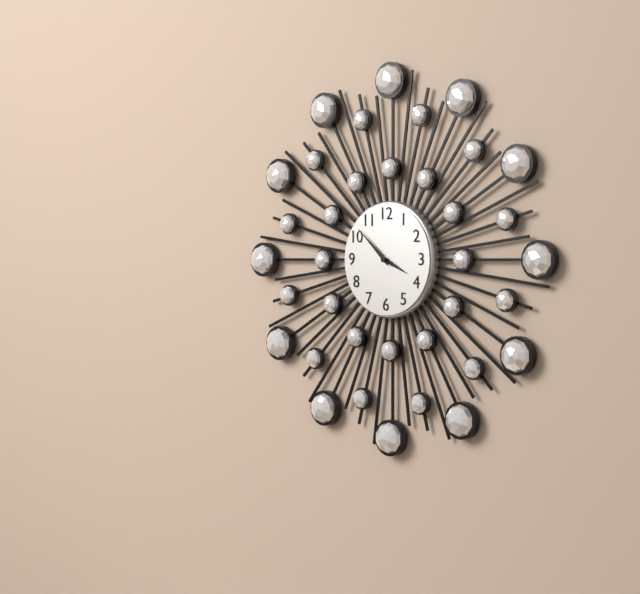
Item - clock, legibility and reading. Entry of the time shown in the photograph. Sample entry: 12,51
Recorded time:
3,52
